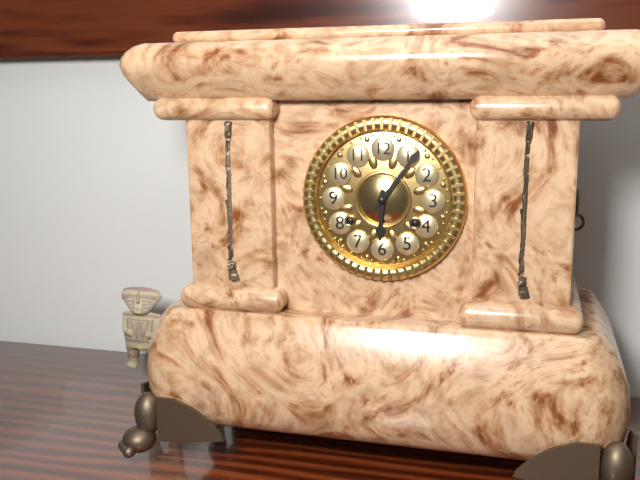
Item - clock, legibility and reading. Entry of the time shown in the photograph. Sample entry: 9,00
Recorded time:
6,06
